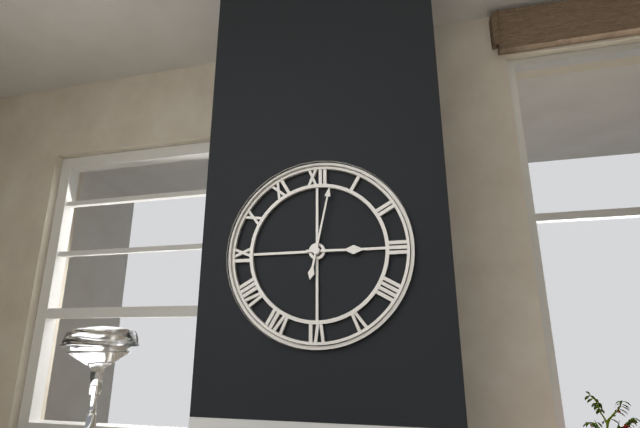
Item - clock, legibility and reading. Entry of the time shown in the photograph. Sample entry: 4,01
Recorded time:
3,02
